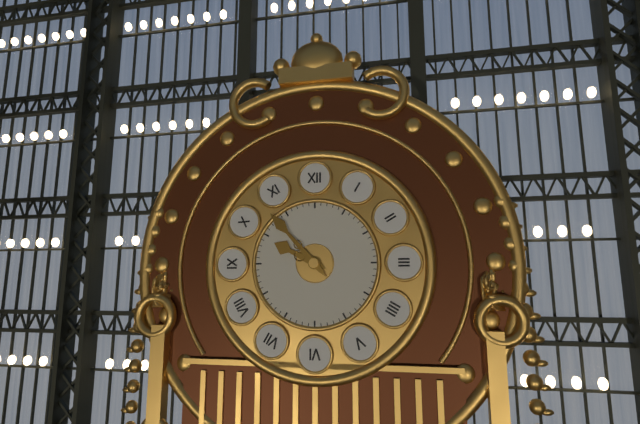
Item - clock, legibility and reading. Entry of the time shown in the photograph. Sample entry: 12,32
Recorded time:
9,53
